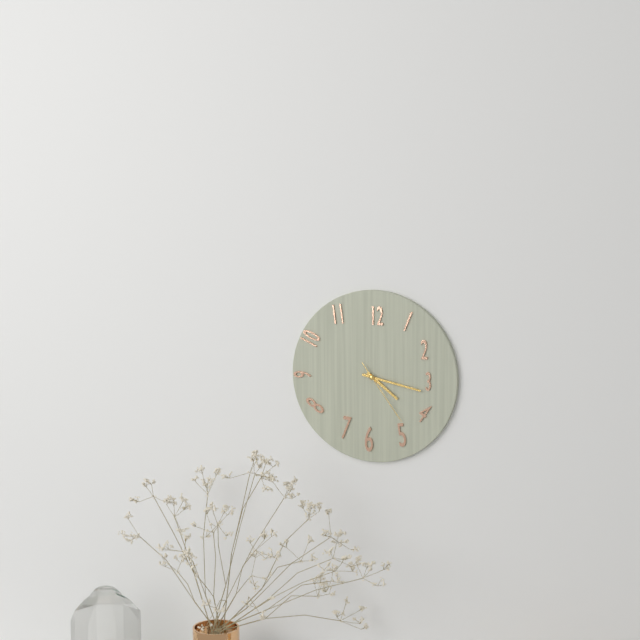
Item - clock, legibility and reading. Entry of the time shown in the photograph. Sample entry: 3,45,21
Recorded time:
4,17,24
